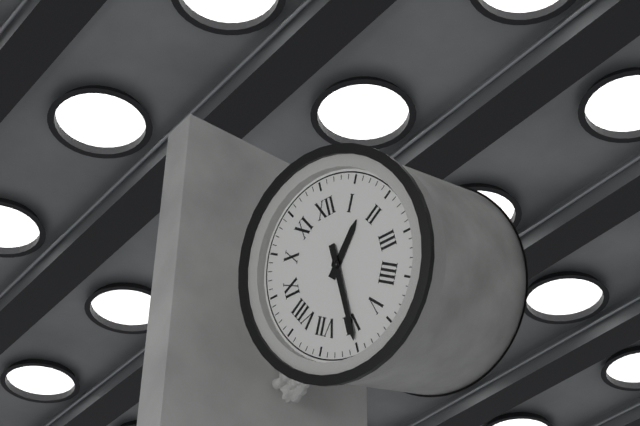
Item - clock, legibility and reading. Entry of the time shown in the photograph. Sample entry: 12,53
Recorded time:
1,30
